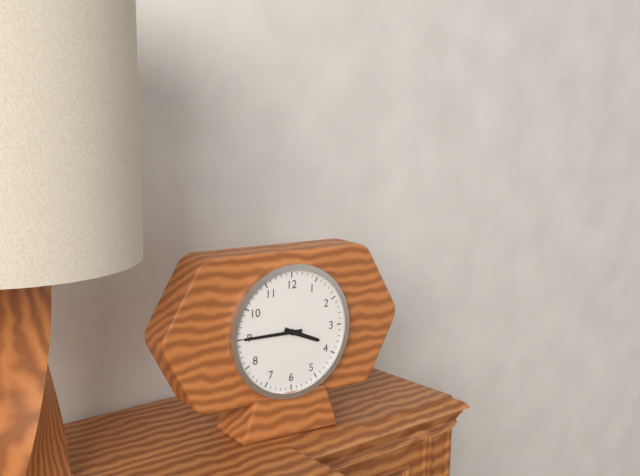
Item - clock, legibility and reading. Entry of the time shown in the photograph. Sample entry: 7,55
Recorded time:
3,45
